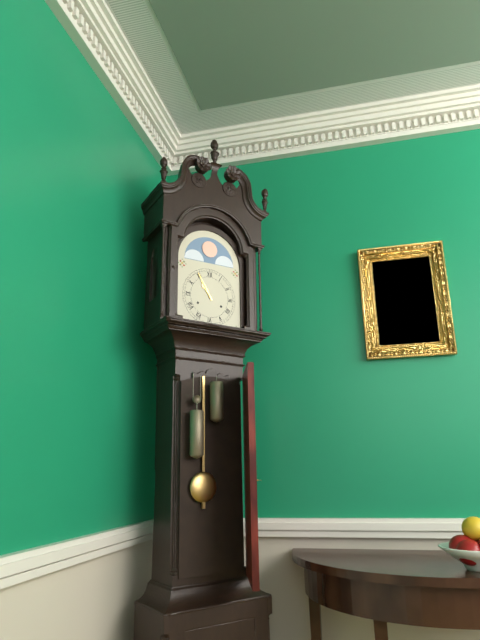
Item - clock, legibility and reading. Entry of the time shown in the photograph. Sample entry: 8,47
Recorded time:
10,55
